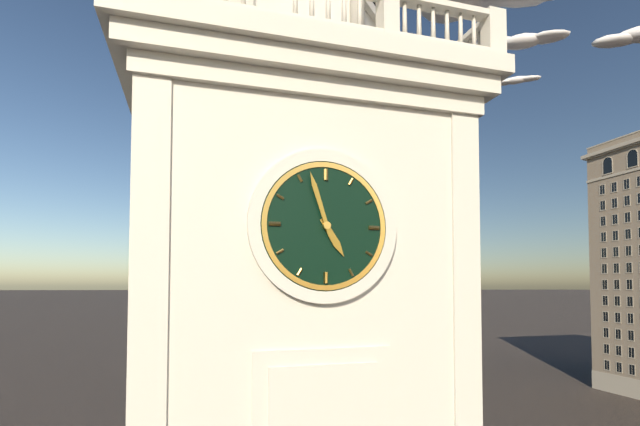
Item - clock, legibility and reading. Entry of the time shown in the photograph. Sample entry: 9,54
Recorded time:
4,57
